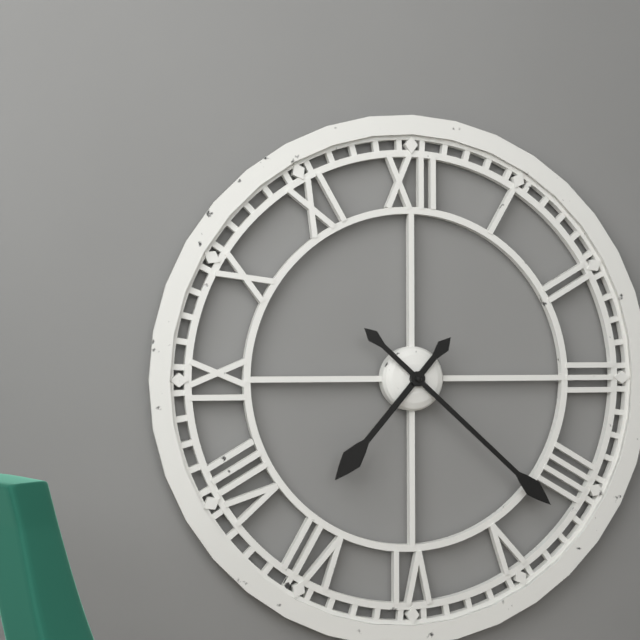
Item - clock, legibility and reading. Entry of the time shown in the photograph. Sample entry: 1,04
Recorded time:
7,22
